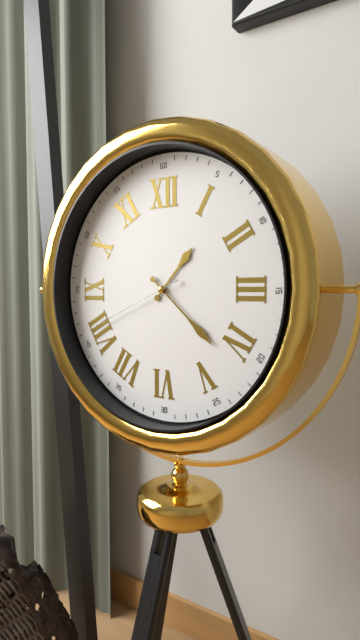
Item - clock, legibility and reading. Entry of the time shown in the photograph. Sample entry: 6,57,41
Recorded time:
1,22,41
